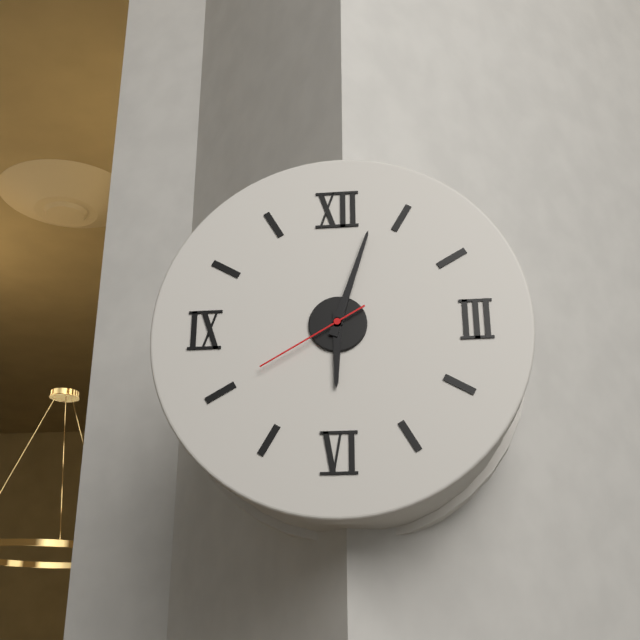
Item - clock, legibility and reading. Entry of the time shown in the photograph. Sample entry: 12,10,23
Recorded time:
6,03,40
